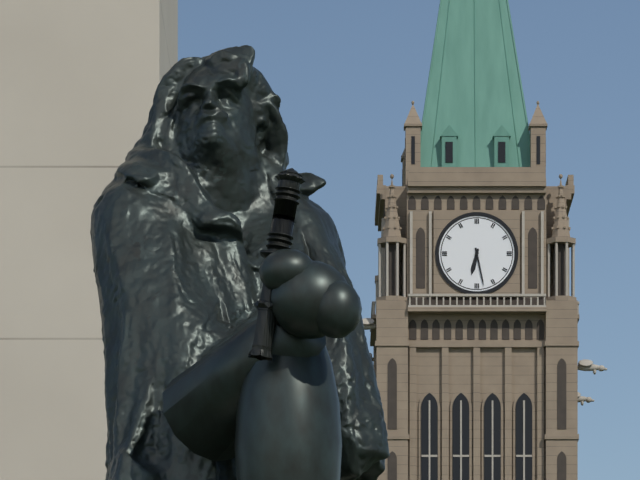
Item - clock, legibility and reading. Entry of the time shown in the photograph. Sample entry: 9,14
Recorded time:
6,28
